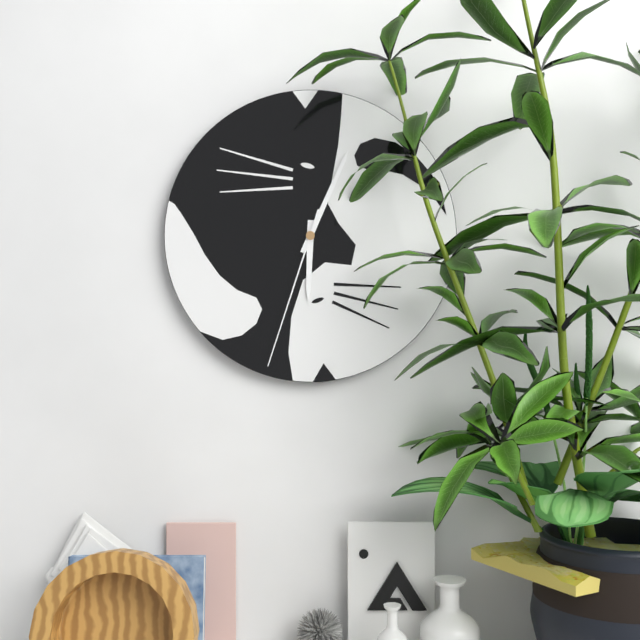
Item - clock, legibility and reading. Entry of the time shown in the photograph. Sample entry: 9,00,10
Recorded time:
6,04,33
